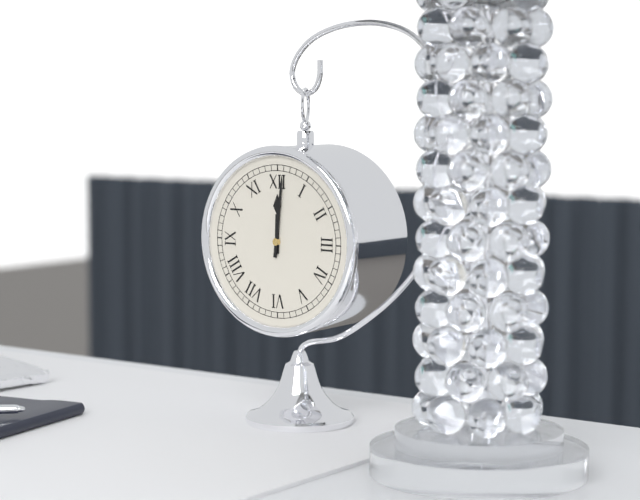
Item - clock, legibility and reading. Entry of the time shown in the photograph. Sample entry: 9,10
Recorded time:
12,01
